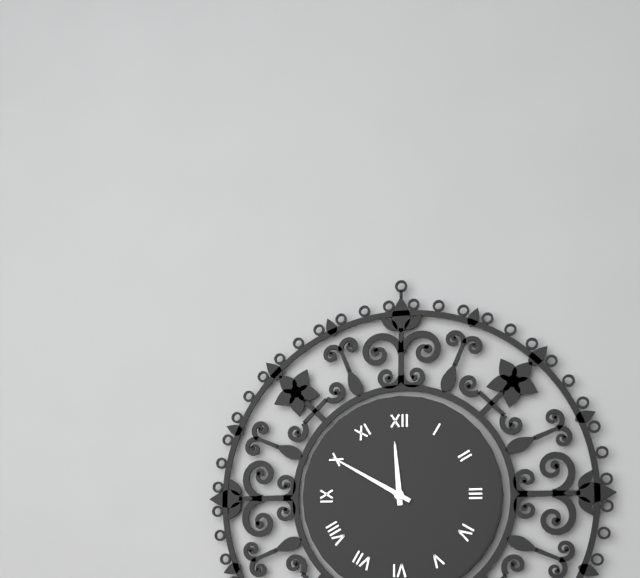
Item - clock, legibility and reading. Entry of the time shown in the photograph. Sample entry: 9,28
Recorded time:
11,50
